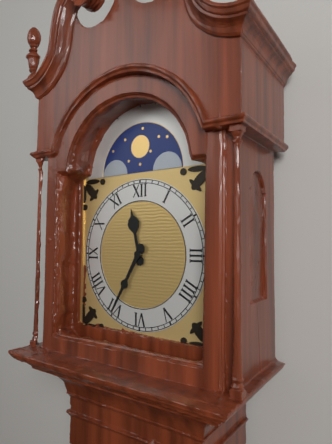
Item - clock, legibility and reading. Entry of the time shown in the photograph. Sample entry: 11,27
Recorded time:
11,35
